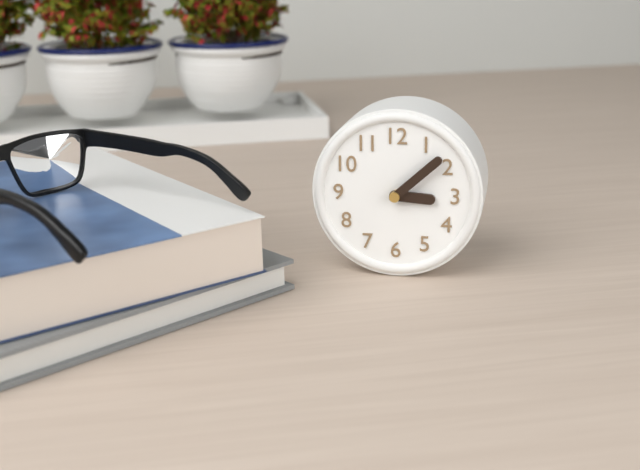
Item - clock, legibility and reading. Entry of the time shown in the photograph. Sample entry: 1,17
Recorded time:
3,08
